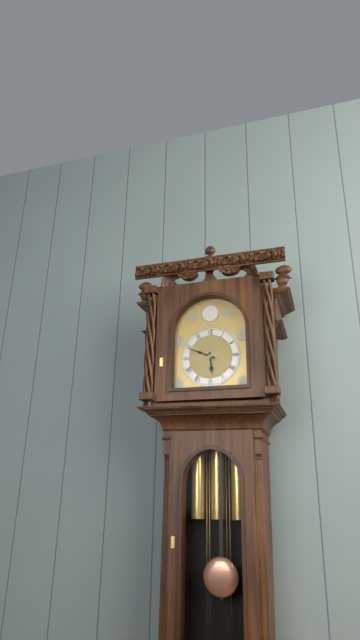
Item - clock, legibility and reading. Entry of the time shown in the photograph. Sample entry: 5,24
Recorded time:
5,49
